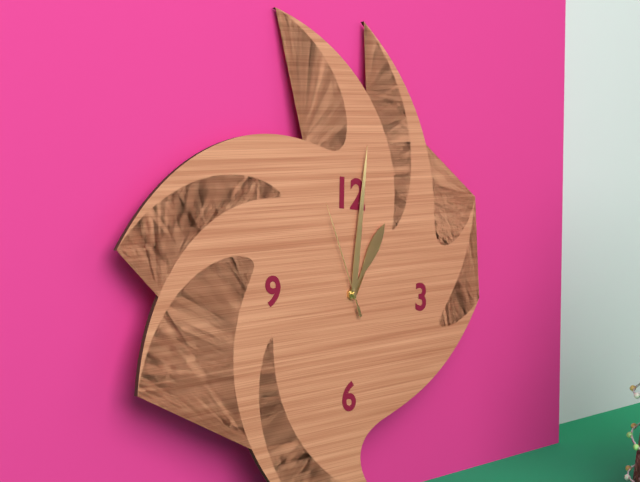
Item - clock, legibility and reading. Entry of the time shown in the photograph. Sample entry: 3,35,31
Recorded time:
1,01,56
